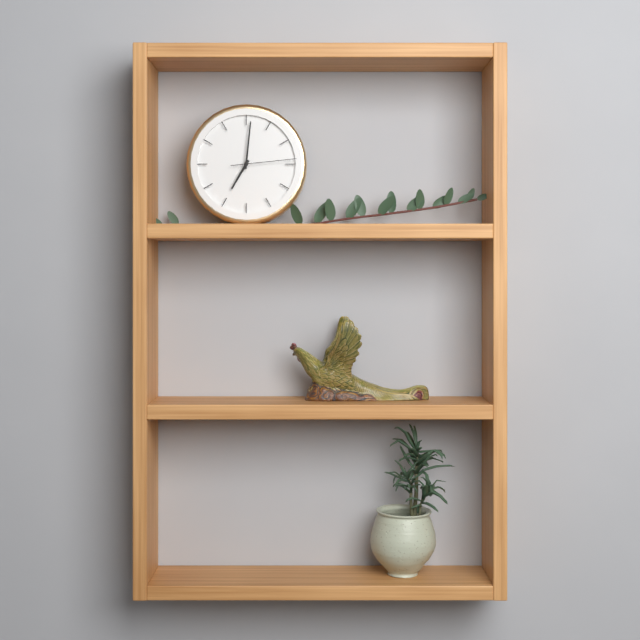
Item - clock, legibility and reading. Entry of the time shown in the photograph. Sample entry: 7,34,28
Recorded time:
7,01,14
